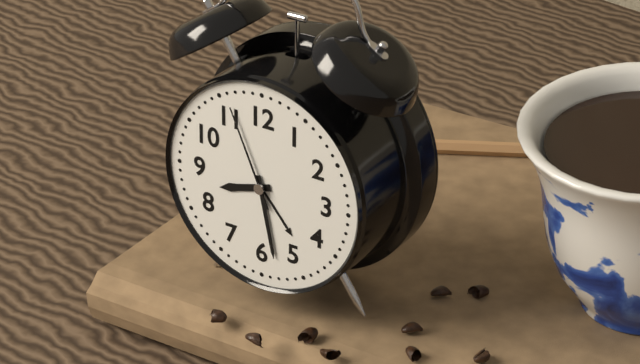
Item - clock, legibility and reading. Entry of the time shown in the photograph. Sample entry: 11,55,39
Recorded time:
8,28,56
